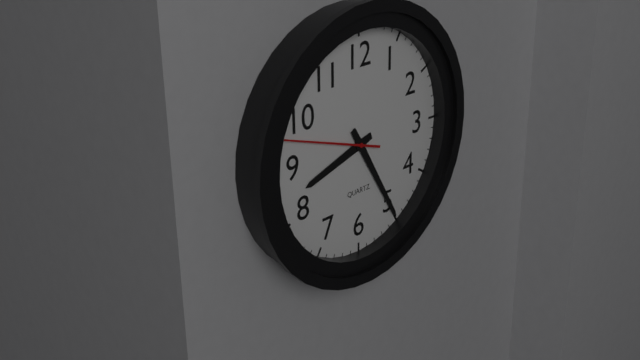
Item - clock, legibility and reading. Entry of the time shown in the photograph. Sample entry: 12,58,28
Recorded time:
8,25,48
